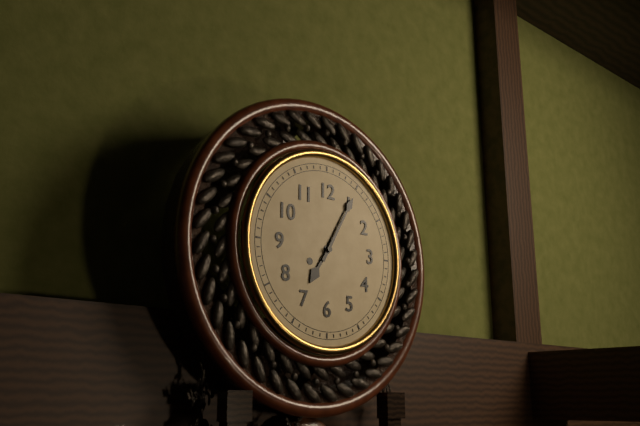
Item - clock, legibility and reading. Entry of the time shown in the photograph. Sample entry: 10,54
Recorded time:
7,05
